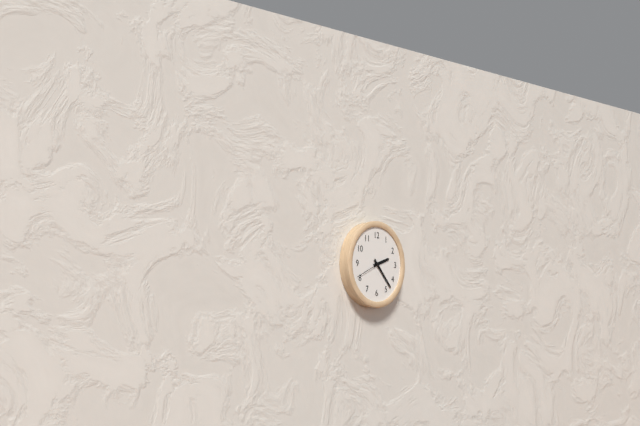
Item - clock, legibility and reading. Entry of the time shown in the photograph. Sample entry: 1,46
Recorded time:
2,23
